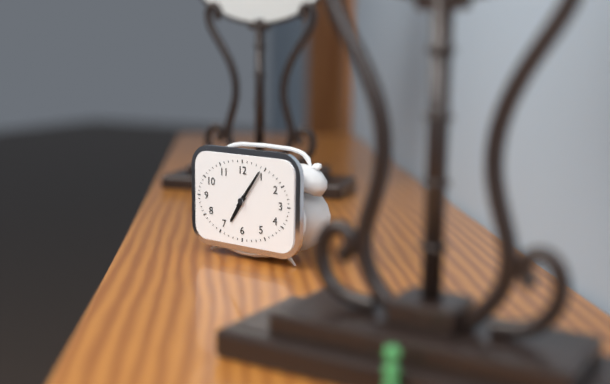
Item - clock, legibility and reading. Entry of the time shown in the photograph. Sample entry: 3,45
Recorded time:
7,06
